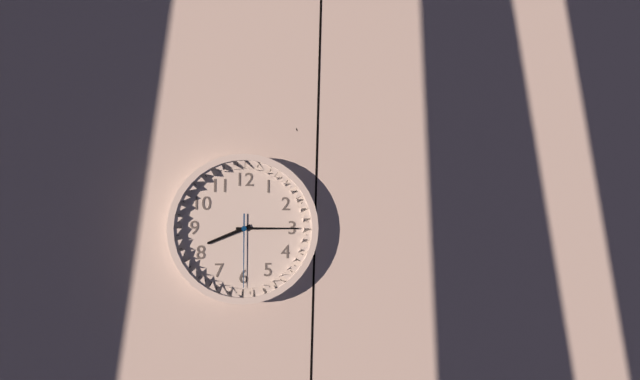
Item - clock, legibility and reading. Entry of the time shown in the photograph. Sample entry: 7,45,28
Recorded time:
8,15,30
